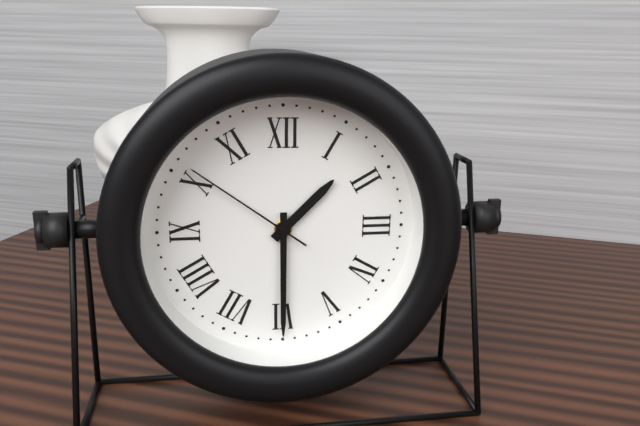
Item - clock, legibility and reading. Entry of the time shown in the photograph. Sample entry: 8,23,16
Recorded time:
1,30,51
